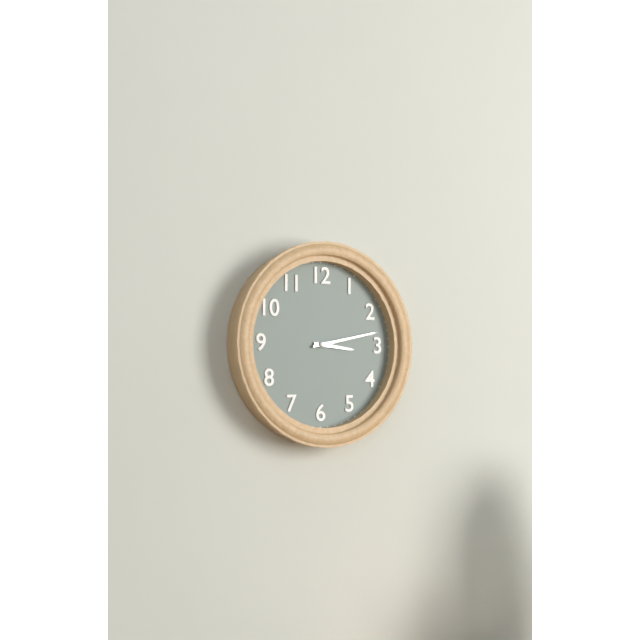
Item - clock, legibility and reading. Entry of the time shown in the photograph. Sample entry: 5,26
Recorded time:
3,13
